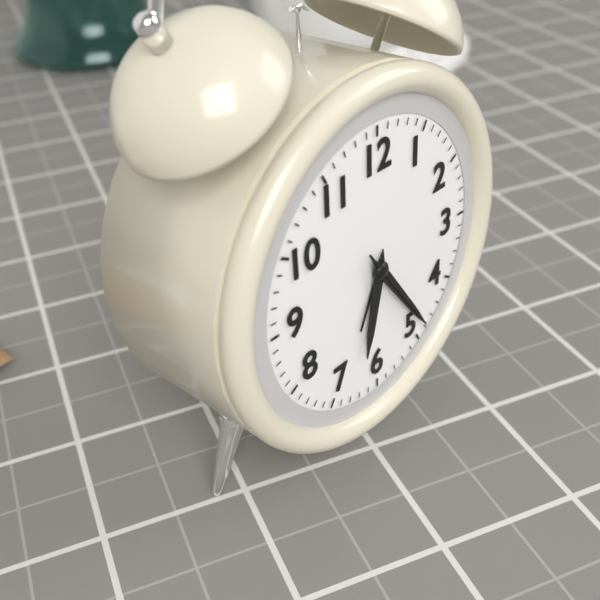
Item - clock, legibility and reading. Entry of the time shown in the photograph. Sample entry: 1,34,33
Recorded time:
6,24,24
